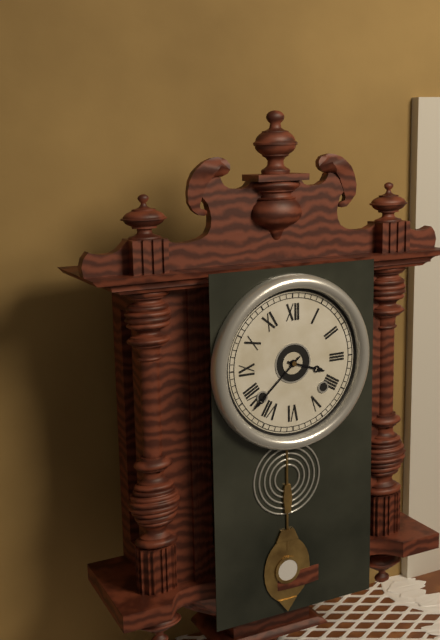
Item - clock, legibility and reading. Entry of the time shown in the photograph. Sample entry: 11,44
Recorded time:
3,38
